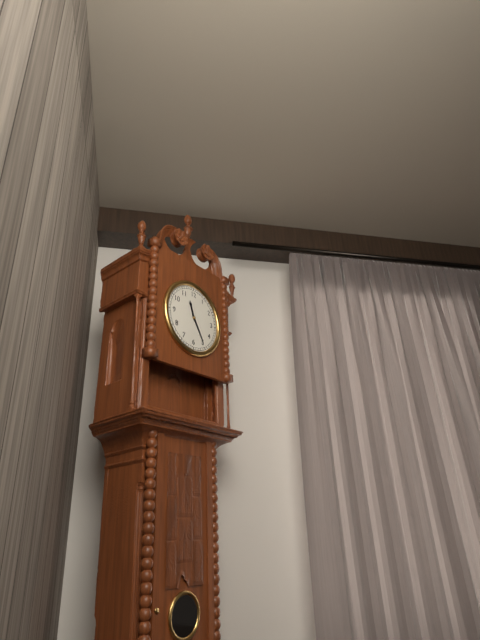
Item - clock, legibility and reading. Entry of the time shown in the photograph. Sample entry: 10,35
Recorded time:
11,25
